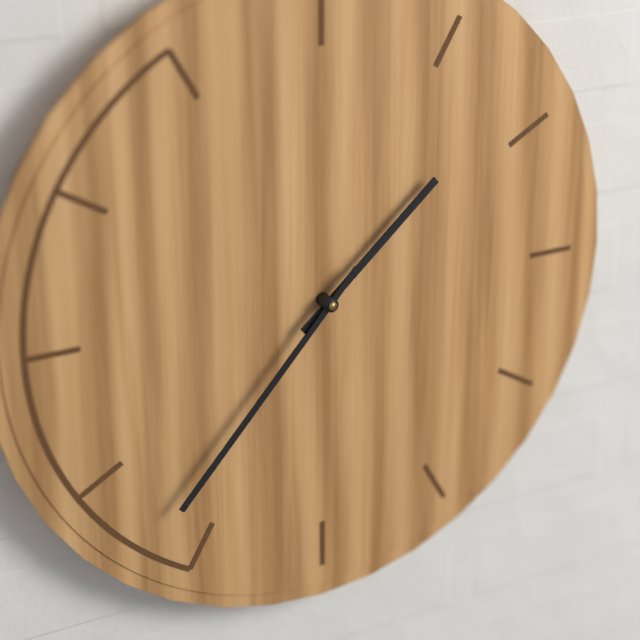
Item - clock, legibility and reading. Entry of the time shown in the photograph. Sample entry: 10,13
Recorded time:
1,37
